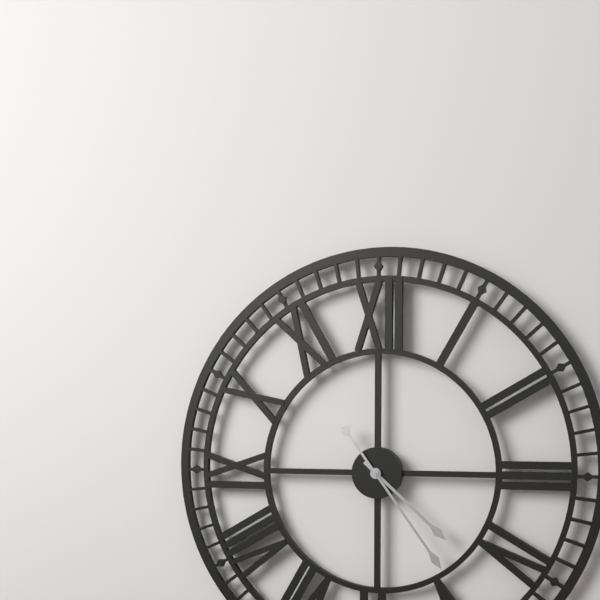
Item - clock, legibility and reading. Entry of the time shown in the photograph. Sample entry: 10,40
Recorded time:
4,24
